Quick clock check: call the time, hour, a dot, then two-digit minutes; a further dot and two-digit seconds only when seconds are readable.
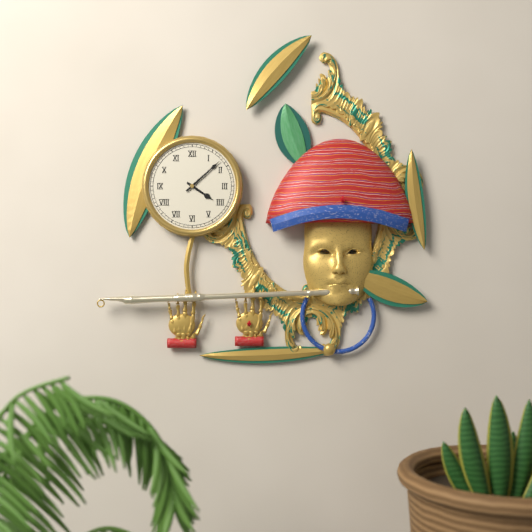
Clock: 4.08
